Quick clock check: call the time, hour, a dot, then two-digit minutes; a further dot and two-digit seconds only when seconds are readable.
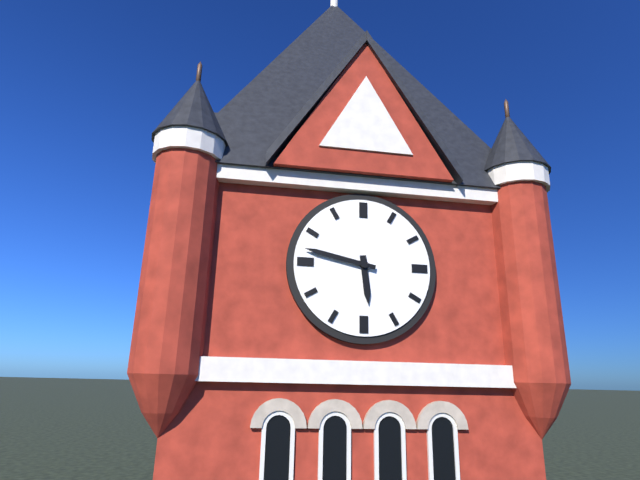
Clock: 5.47
